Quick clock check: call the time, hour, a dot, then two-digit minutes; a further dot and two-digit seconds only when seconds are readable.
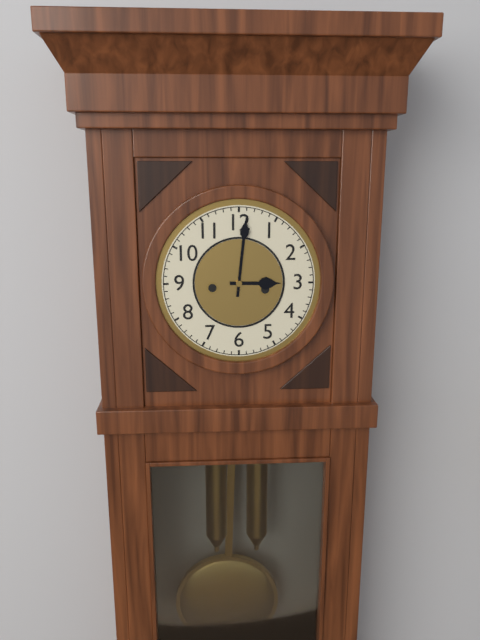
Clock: 3.01
